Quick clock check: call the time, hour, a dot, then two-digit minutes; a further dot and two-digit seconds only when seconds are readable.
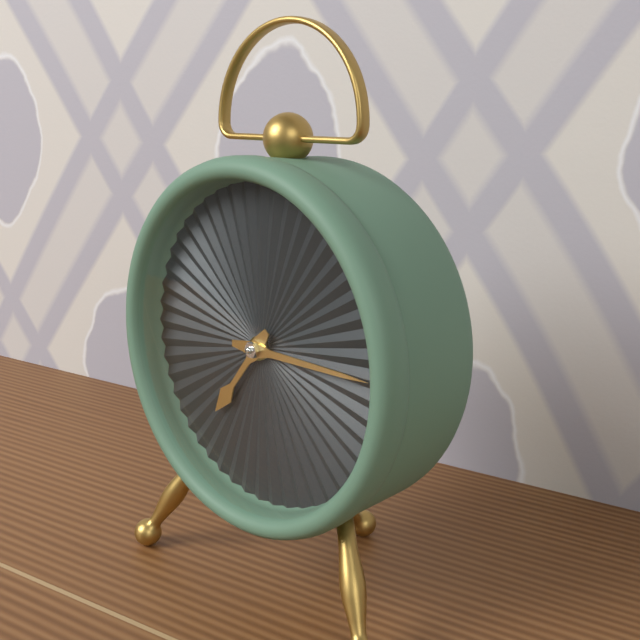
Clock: 7.15
